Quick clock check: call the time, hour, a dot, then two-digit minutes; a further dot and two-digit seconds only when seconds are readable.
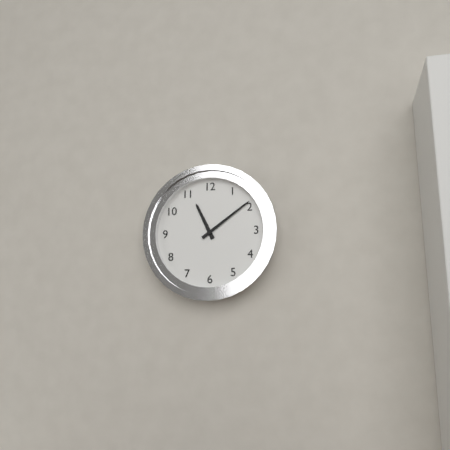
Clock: 11.09
